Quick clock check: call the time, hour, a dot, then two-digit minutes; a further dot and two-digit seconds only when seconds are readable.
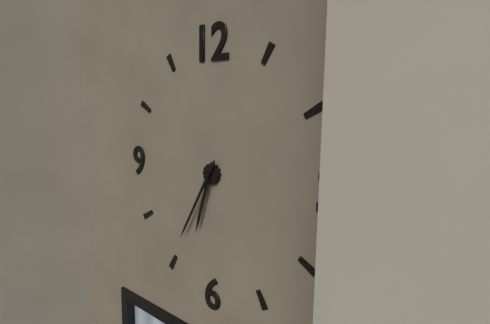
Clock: 6.35
